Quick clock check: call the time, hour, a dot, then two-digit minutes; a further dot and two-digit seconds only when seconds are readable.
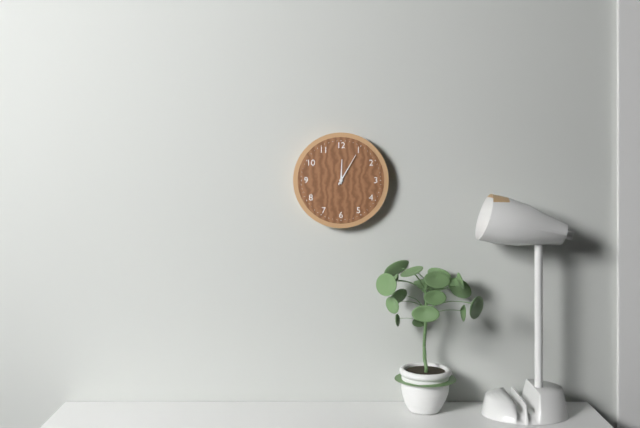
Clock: 12.05
